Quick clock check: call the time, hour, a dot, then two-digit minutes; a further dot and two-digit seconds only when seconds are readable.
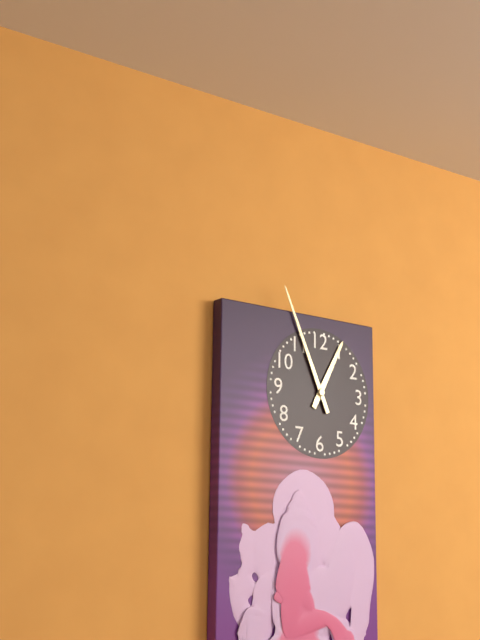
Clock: 12.56
